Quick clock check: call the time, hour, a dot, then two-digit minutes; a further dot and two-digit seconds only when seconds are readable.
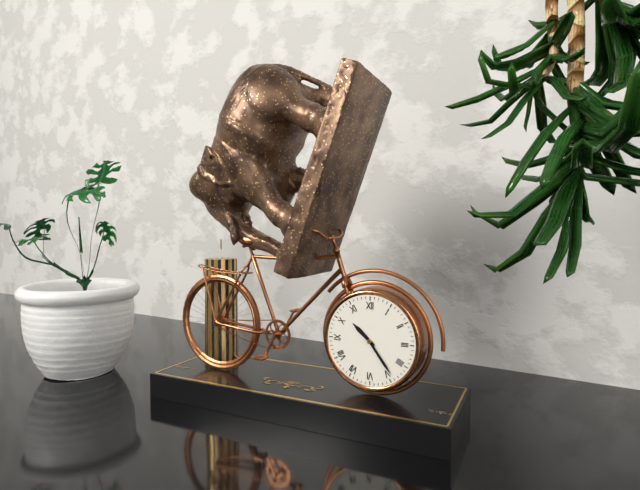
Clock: 10.24
